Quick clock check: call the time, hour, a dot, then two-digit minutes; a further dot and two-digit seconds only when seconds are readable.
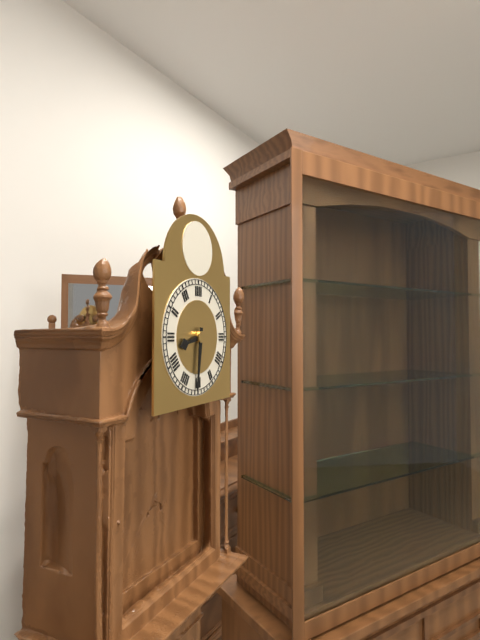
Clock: 8.31
